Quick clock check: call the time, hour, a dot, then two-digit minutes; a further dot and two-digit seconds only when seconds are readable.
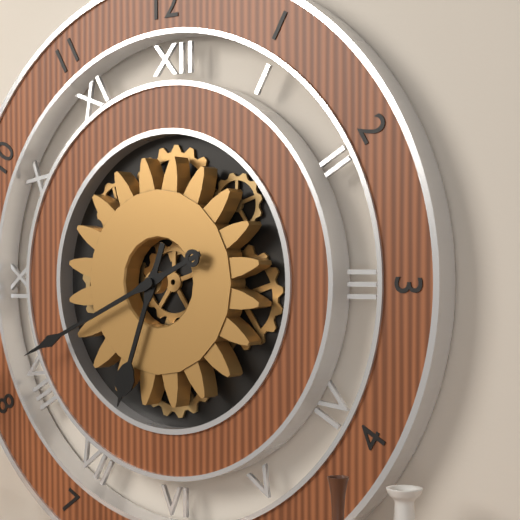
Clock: 6.41
